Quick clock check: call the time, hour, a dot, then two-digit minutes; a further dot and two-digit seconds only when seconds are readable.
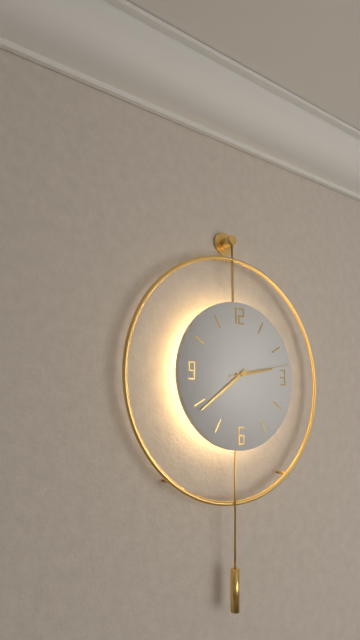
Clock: 2.39.13
